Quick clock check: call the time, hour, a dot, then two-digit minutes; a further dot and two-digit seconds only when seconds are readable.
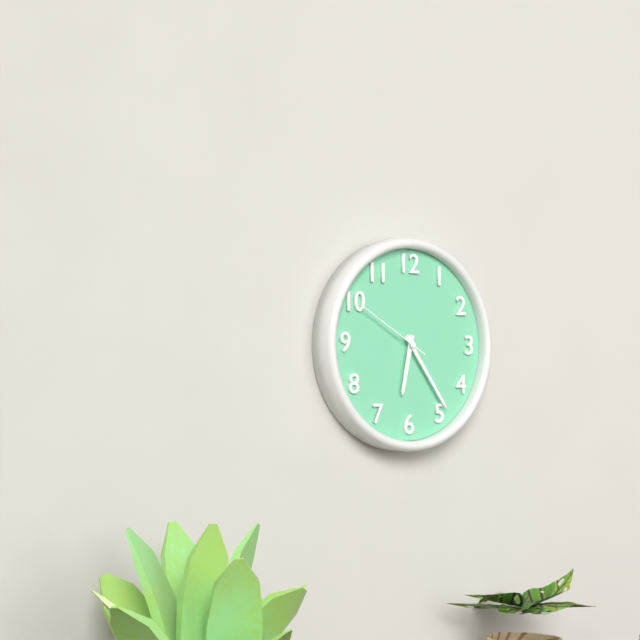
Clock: 6.24.50
